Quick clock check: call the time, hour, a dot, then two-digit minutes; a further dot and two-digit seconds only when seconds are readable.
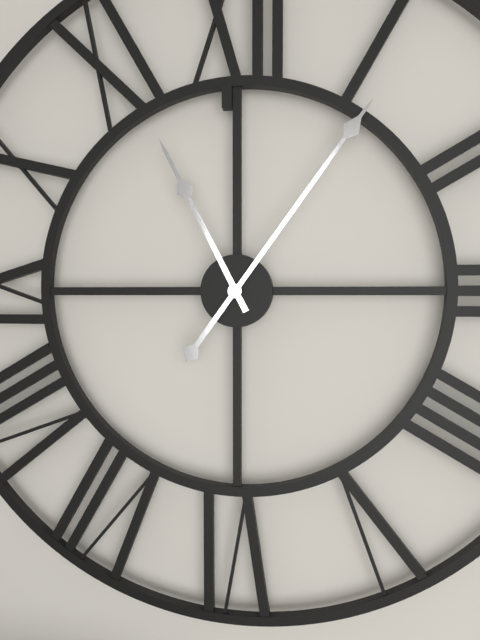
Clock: 11.06
